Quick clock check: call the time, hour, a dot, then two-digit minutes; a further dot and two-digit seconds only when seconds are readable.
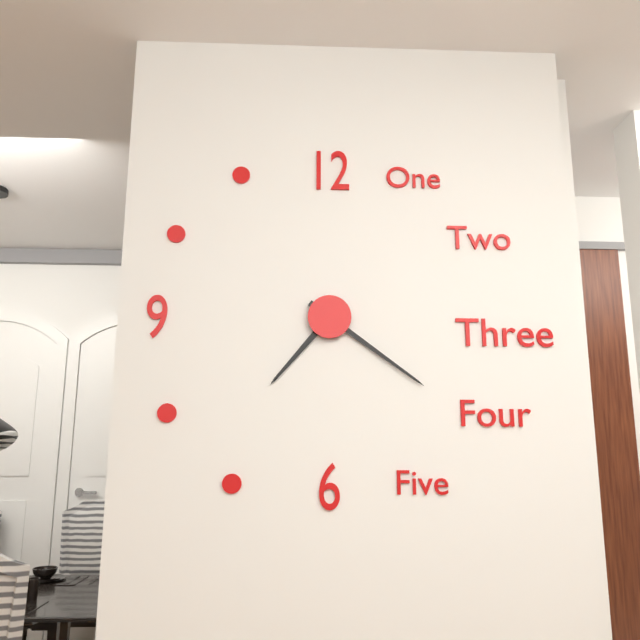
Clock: 7.21
